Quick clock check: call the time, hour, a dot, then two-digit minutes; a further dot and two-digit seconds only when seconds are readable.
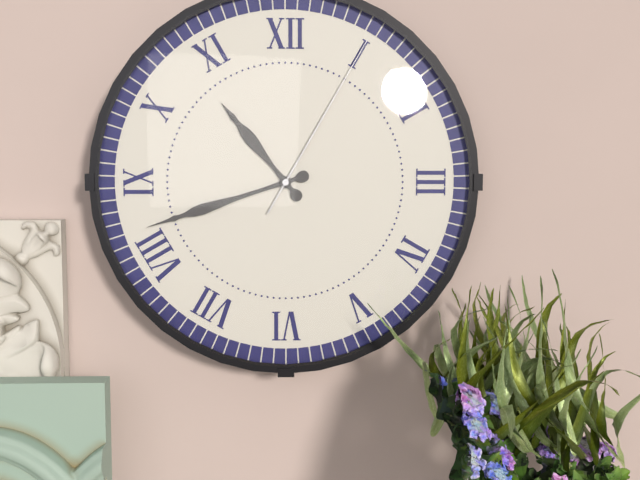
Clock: 10.42.05
